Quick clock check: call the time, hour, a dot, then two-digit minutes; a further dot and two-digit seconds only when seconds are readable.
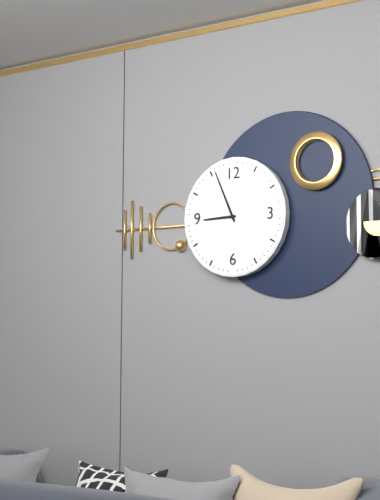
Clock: 8.56
